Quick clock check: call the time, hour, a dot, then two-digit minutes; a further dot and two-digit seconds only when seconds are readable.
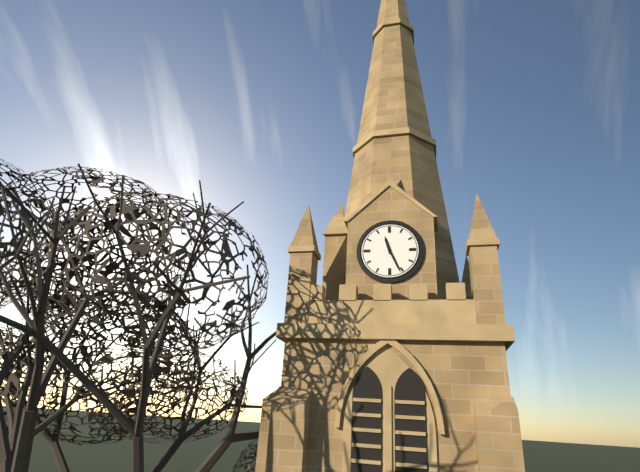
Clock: 11.26
